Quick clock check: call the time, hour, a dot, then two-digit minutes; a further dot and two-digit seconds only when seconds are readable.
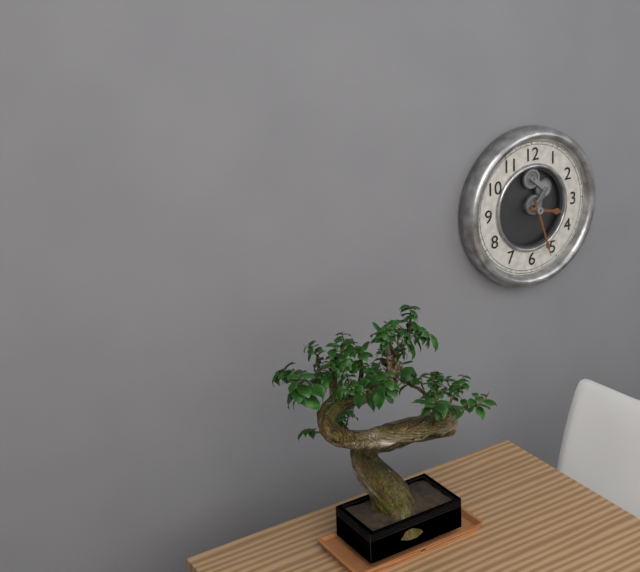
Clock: 3.27
